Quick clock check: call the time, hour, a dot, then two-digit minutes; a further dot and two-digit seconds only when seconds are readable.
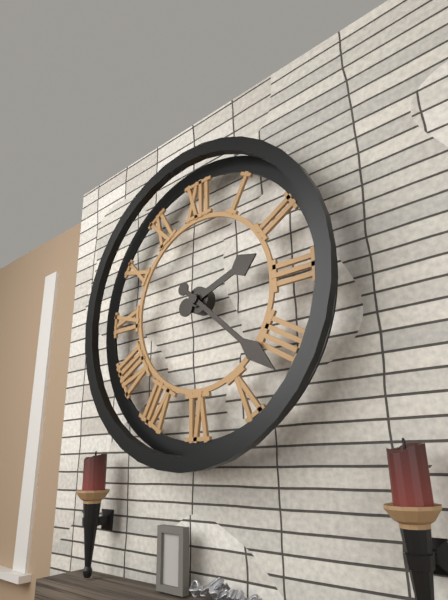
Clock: 2.22
